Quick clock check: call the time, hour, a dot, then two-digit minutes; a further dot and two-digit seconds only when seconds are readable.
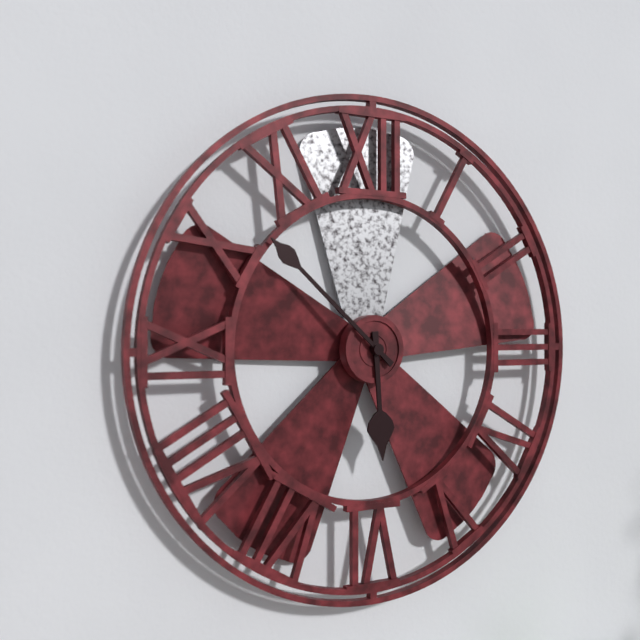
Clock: 5.52
